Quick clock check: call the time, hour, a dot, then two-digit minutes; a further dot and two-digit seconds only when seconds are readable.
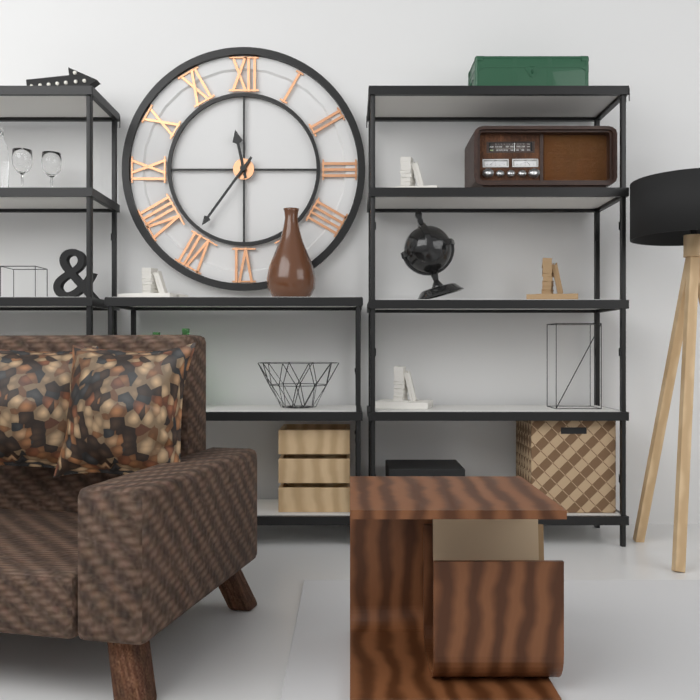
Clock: 11.36
